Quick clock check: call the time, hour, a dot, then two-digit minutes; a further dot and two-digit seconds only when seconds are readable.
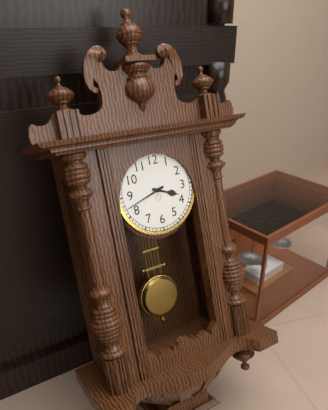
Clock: 3.42
